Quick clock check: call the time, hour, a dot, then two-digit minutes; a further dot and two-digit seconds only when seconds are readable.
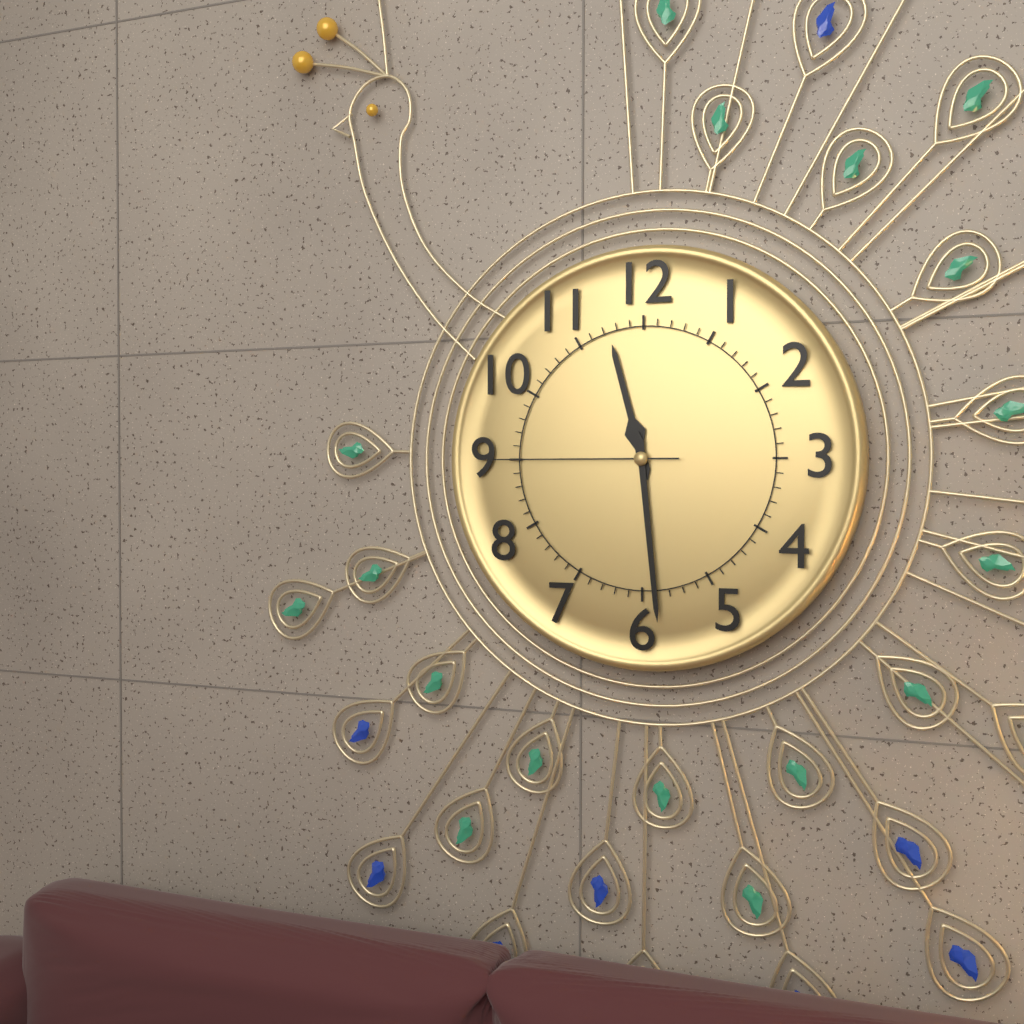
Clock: 11.29.45
